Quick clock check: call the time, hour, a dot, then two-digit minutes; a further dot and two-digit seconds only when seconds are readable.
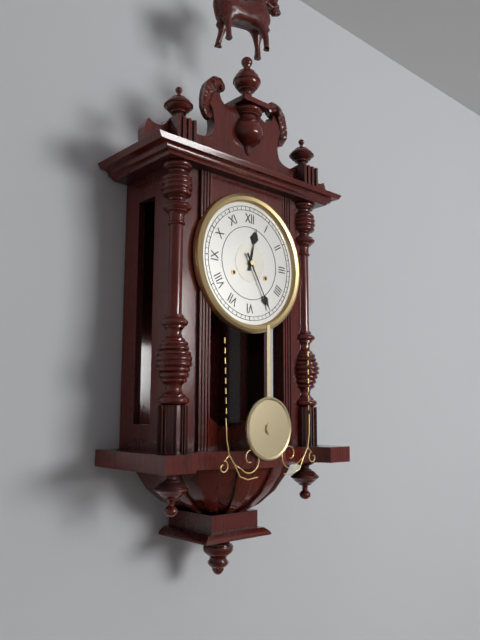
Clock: 12.25
